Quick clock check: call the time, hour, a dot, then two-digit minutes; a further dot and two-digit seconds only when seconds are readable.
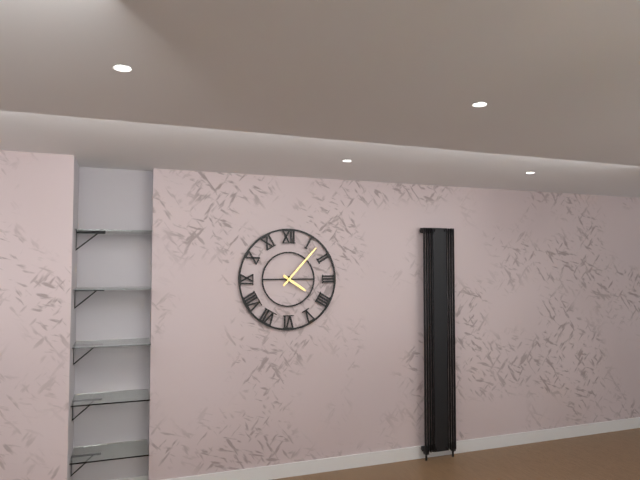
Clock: 4.07
